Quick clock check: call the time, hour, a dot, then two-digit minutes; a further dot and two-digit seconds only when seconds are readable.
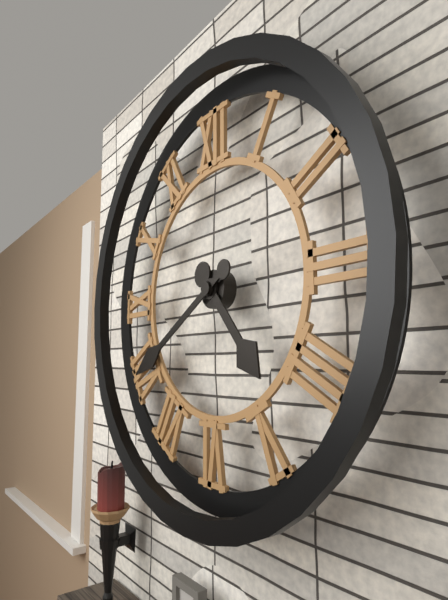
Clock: 4.40
